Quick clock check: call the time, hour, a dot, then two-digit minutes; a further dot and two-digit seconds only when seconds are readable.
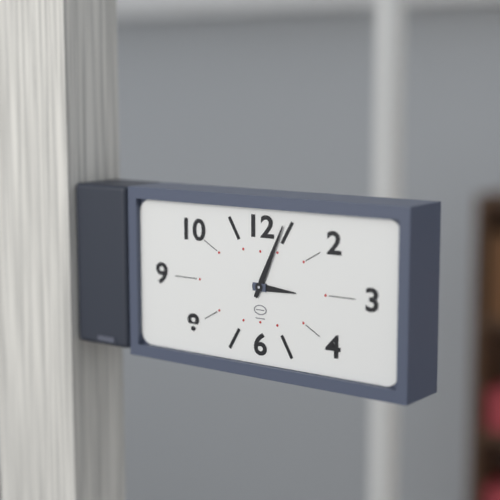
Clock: 3.04
